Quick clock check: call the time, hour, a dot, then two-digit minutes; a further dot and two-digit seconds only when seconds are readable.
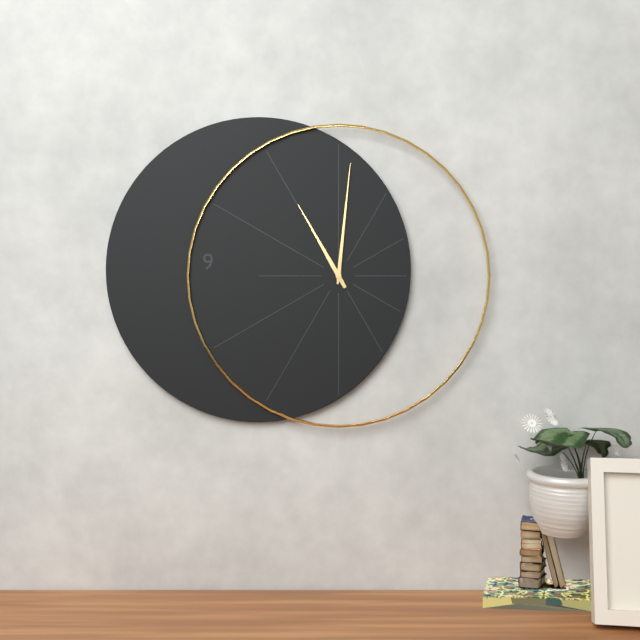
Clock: 11.01
